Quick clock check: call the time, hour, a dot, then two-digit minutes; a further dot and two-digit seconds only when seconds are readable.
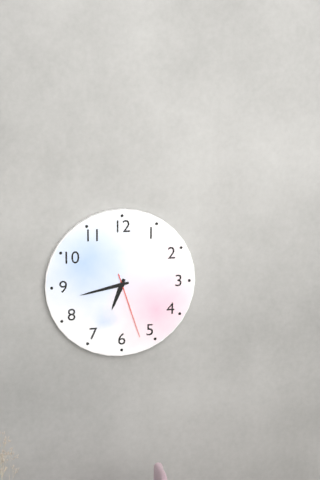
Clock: 6.43.27
